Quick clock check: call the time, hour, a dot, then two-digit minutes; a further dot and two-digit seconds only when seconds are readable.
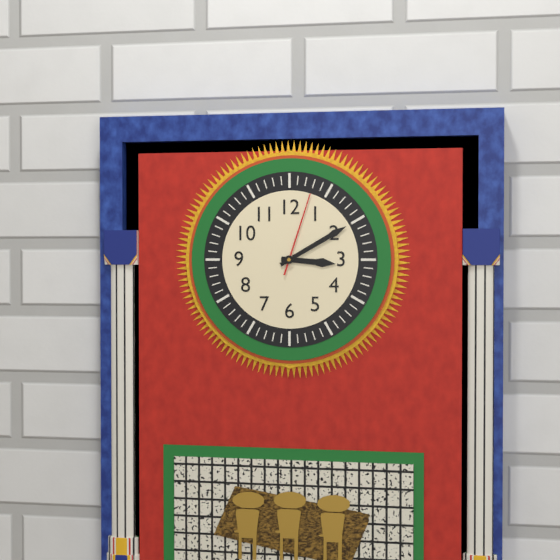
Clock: 3.10.03
